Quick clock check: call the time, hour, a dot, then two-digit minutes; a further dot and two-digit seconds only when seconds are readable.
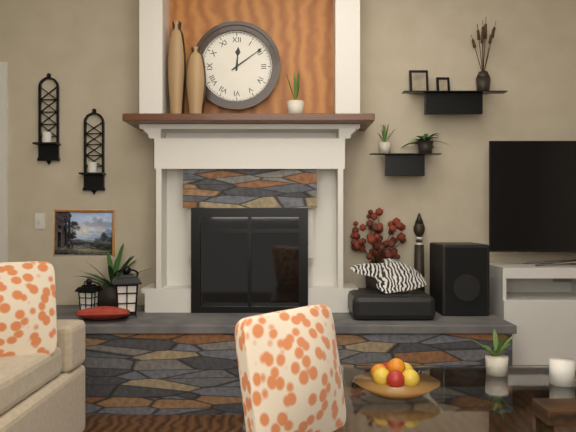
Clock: 12.09
